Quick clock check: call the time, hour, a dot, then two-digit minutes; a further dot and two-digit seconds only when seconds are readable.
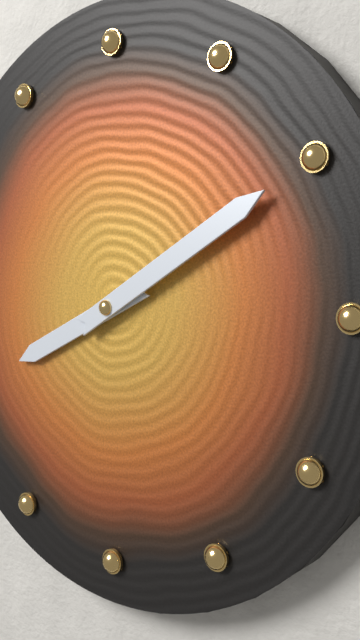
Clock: 8.10
